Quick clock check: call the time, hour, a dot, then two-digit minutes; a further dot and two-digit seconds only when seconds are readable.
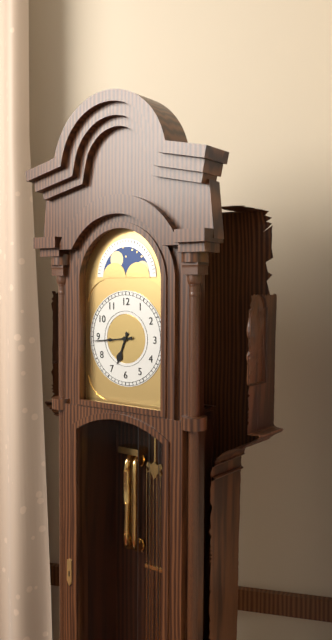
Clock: 6.44
